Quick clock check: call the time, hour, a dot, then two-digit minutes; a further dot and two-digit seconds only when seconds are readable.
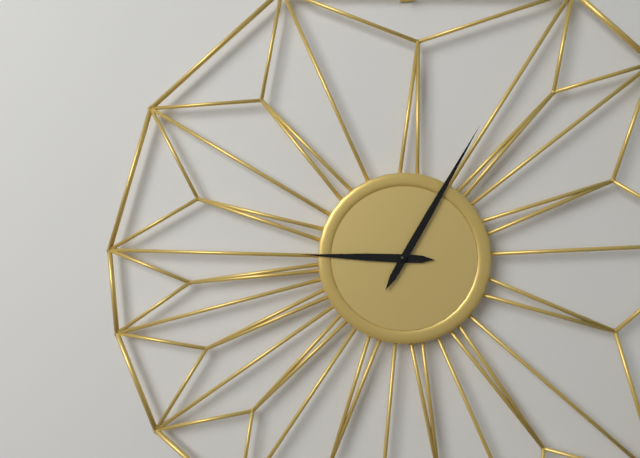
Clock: 9.05
